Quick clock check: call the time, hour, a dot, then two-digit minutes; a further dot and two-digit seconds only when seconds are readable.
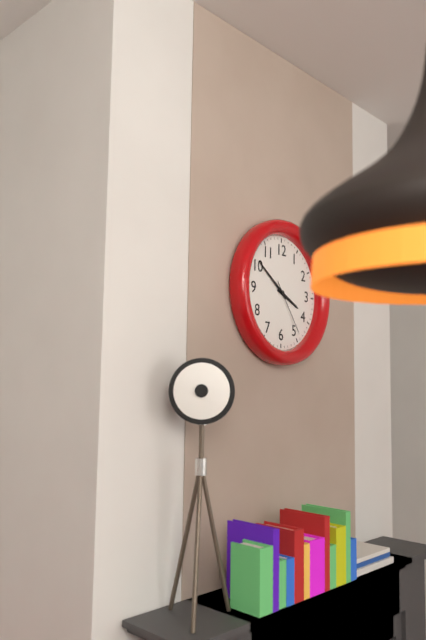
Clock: 3.51.24
